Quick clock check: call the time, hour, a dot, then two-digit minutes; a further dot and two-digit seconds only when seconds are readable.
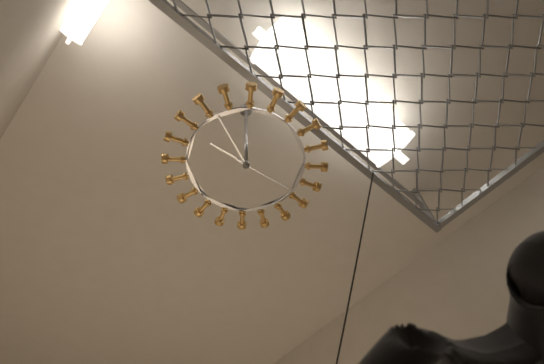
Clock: 8.49.14
